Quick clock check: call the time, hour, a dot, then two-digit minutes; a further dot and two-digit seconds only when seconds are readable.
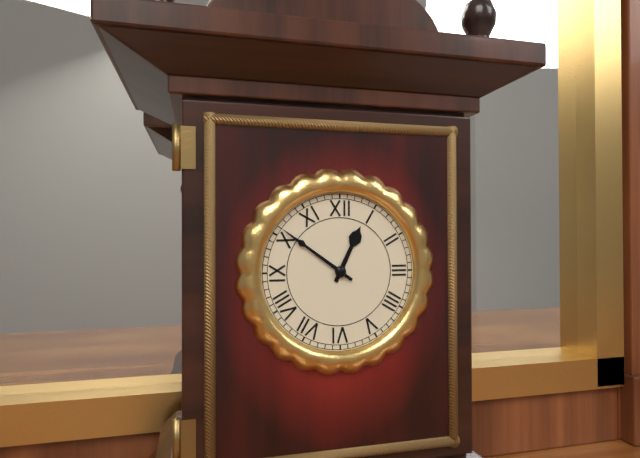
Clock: 12.51
